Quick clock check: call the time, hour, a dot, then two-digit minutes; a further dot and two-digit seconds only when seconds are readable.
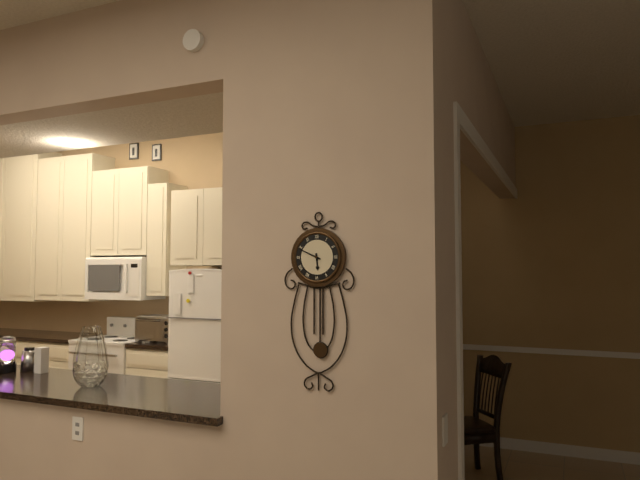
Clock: 5.49
